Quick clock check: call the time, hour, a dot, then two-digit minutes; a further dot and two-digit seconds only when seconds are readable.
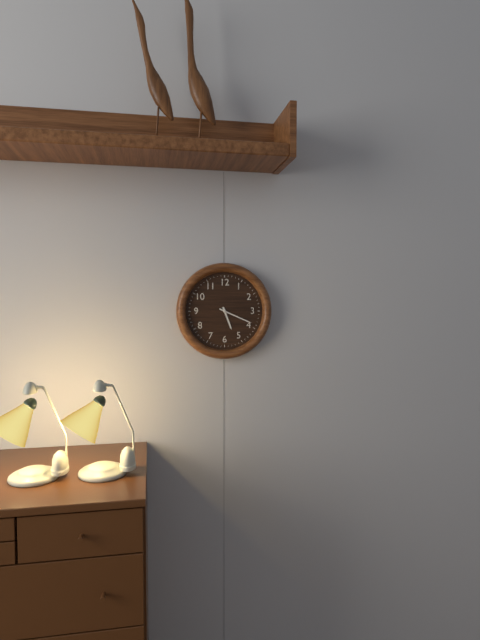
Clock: 5.19
